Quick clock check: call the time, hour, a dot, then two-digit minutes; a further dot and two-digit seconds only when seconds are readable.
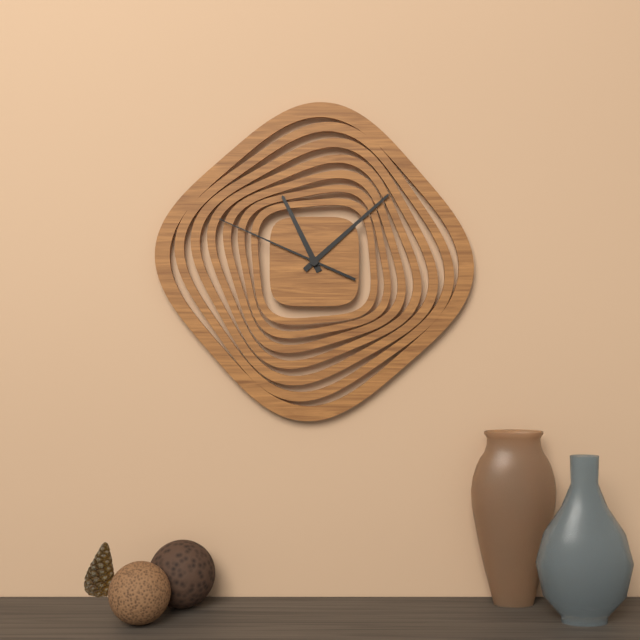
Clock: 11.08.49
